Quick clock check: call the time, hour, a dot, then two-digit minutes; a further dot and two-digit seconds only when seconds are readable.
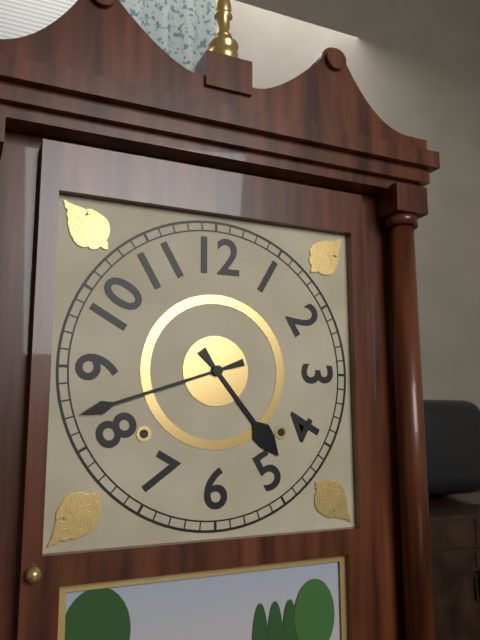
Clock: 4.42
